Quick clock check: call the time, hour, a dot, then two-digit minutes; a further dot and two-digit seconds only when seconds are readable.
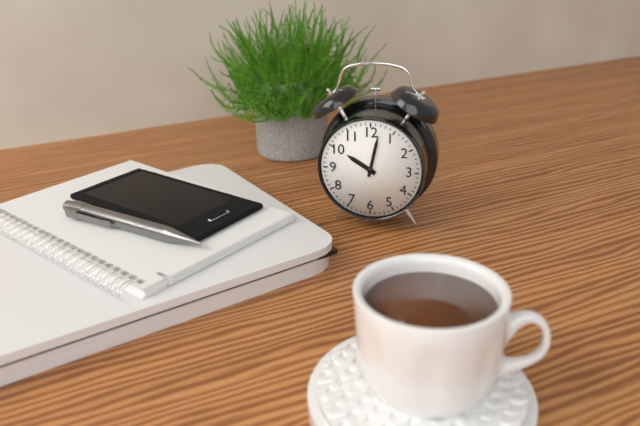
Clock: 10.02
